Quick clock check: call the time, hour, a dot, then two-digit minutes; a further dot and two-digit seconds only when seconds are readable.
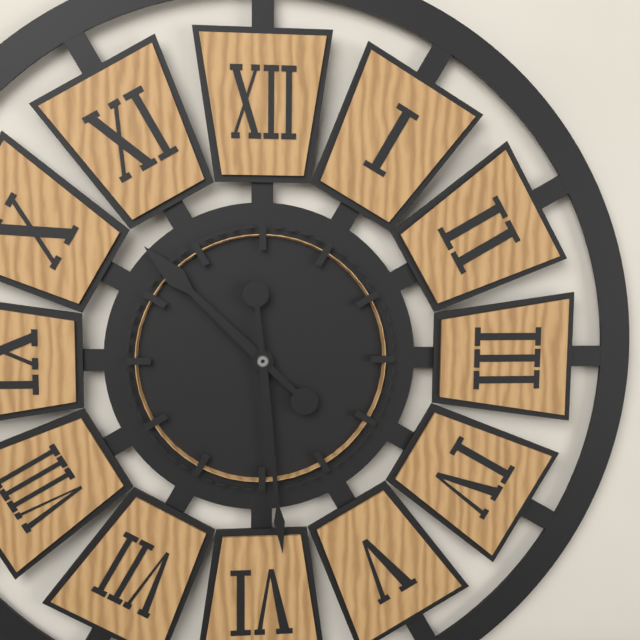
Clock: 10.29
